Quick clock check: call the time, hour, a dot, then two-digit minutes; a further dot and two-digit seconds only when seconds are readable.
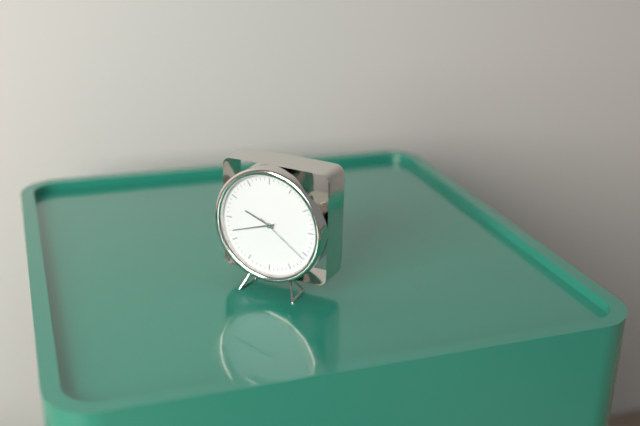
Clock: 9.42.21
